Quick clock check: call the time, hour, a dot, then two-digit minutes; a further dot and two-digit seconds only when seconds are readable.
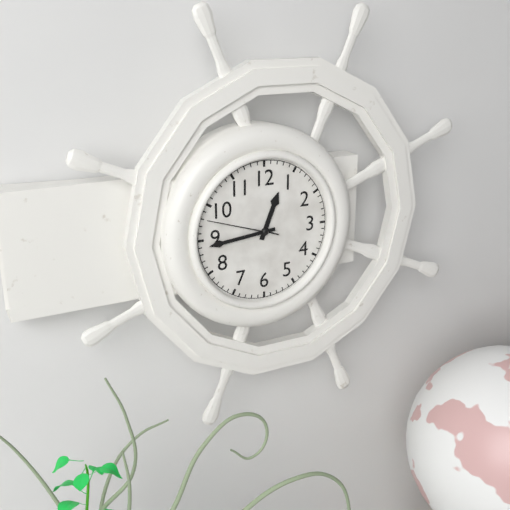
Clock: 12.44.48
